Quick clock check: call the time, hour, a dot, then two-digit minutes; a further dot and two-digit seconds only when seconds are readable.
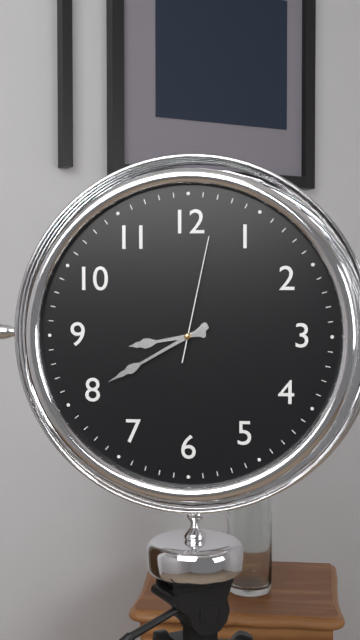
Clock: 8.40.02
